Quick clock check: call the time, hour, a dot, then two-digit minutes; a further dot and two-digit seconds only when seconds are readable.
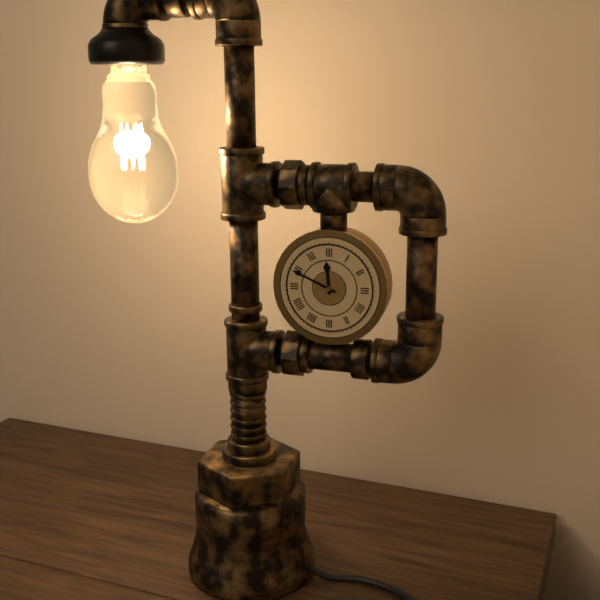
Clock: 11.49
